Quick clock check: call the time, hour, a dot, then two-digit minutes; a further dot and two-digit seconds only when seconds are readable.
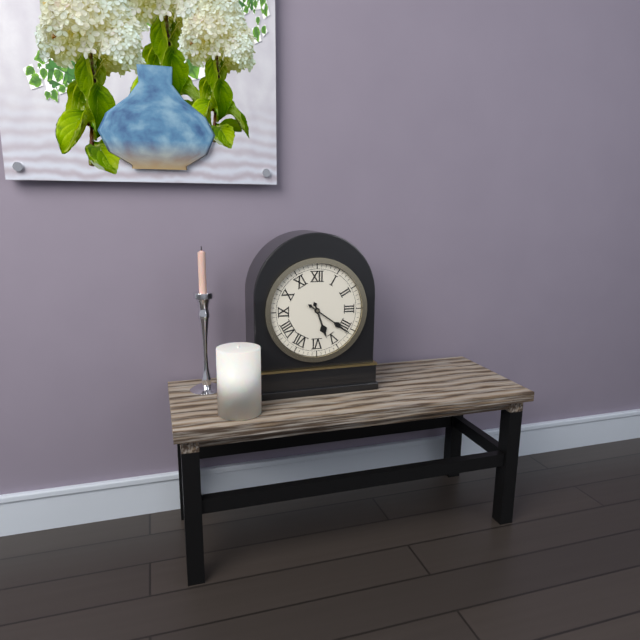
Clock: 5.21
